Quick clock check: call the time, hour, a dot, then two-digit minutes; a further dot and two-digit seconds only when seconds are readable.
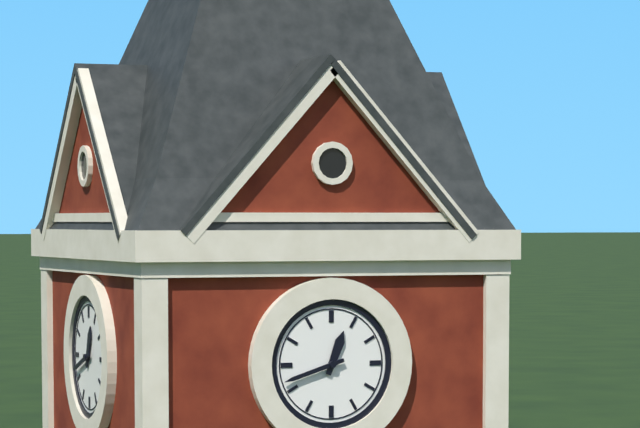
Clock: 12.42
